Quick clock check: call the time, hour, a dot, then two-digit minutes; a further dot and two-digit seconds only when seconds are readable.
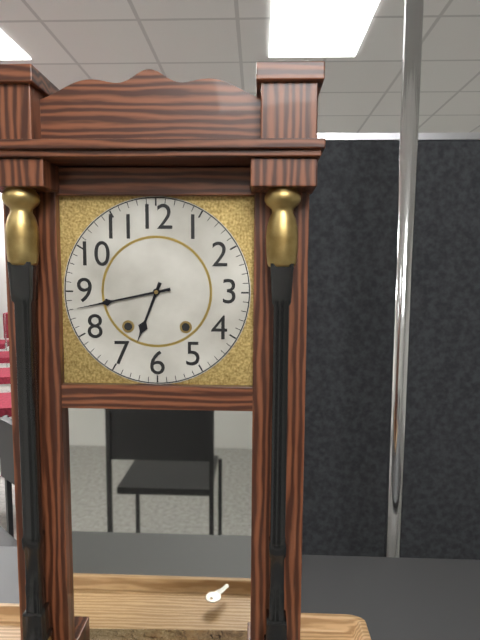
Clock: 6.43
